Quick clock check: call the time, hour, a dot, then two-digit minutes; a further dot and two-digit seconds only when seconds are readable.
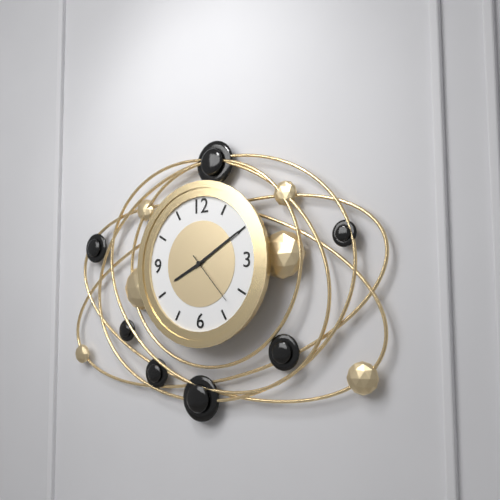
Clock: 8.10.23
